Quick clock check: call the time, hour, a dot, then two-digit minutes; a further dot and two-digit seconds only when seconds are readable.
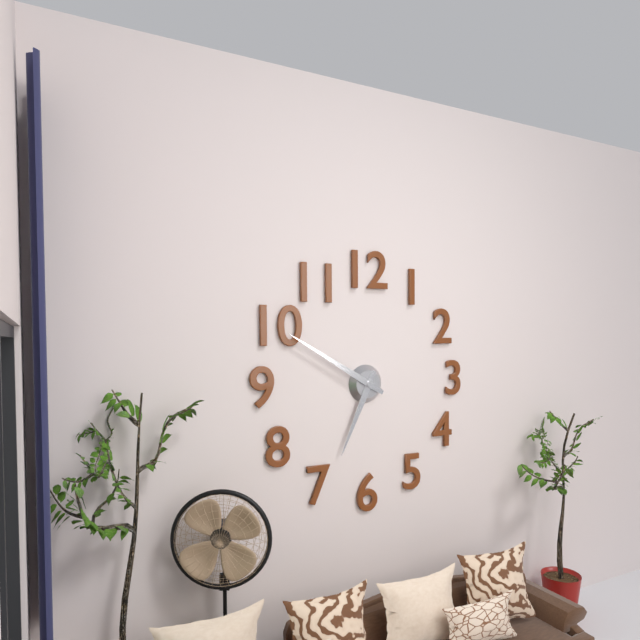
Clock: 6.50
